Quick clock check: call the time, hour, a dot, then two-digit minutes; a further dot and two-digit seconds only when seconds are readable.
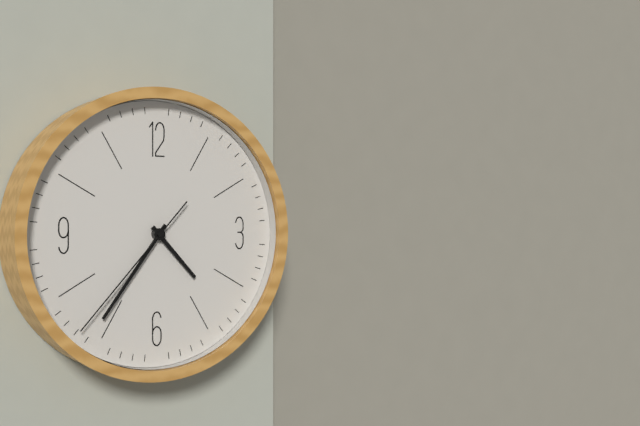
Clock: 4.36.37
